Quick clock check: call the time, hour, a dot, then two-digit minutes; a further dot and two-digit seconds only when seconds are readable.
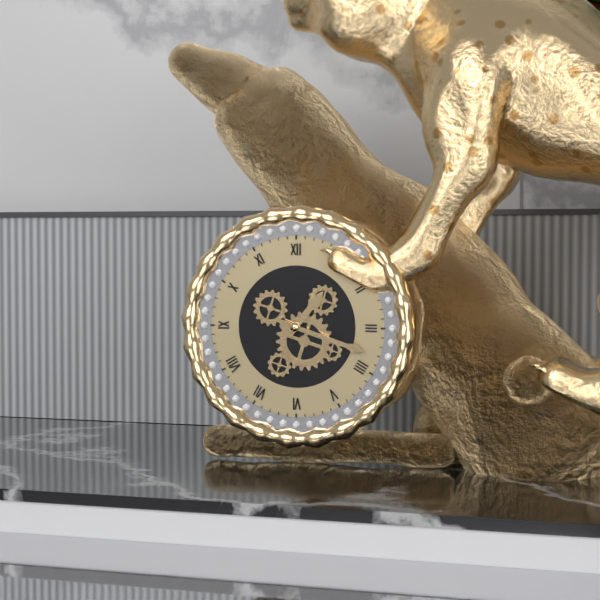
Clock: 1.18
